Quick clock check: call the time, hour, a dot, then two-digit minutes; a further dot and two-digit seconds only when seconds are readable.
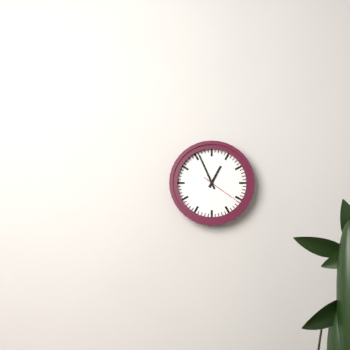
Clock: 12.56
